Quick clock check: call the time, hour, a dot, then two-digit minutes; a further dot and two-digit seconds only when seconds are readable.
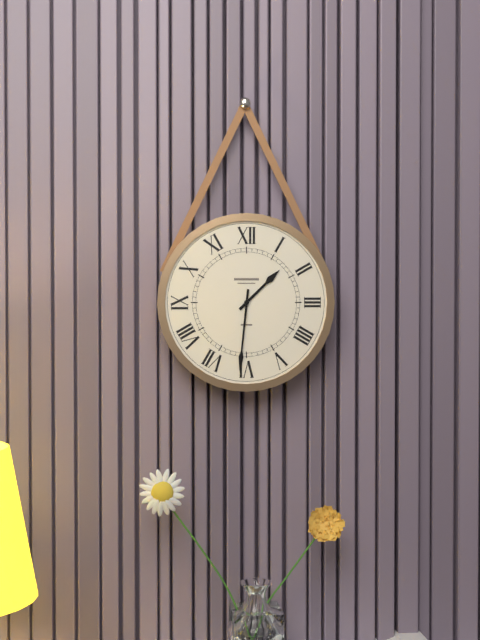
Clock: 1.31
